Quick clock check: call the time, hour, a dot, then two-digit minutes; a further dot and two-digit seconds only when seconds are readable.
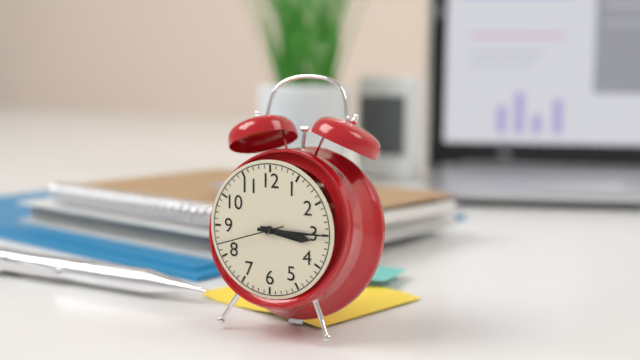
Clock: 3.15.42
